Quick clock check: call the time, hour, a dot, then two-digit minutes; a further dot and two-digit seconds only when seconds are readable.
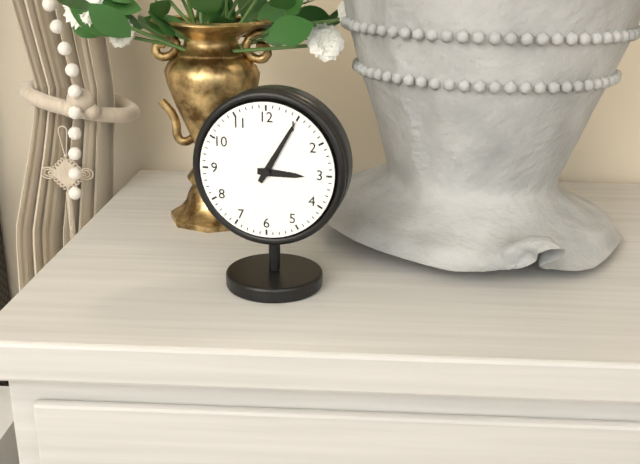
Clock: 3.05
